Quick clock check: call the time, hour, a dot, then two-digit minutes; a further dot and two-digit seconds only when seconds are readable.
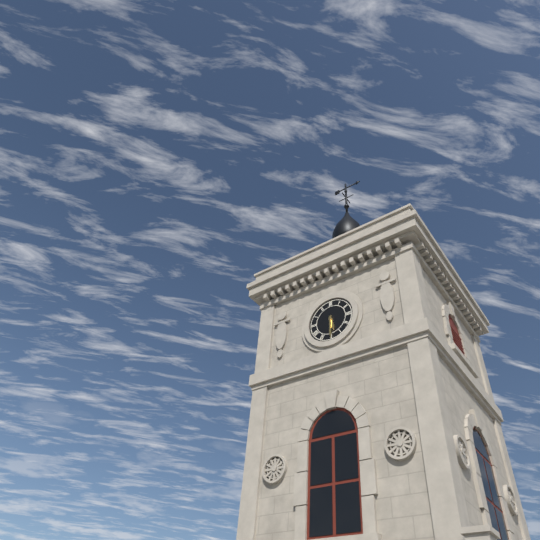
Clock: 5.30
